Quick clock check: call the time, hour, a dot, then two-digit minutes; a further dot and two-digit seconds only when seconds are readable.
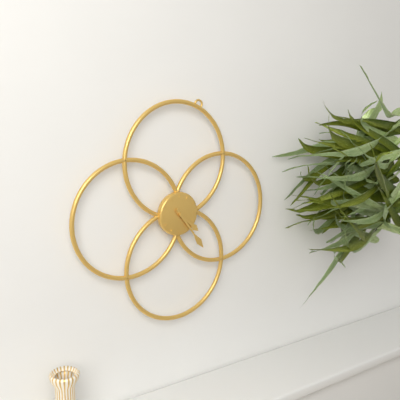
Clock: 4.24
